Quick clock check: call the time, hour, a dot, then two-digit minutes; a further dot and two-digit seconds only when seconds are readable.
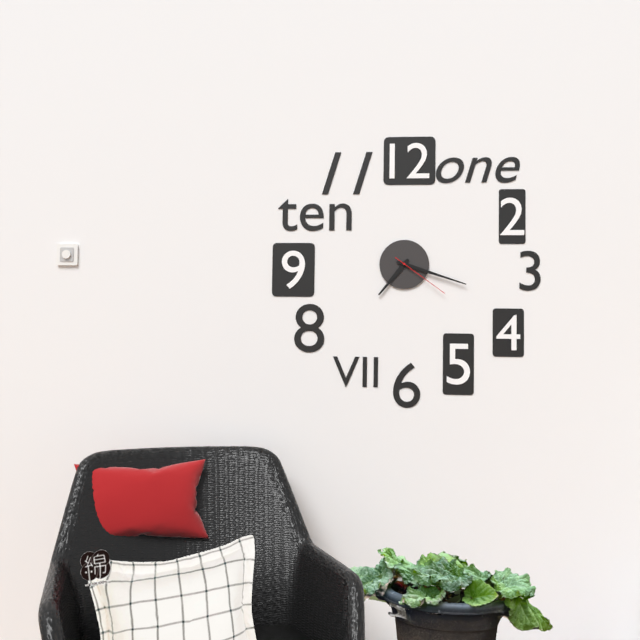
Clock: 7.18.21
